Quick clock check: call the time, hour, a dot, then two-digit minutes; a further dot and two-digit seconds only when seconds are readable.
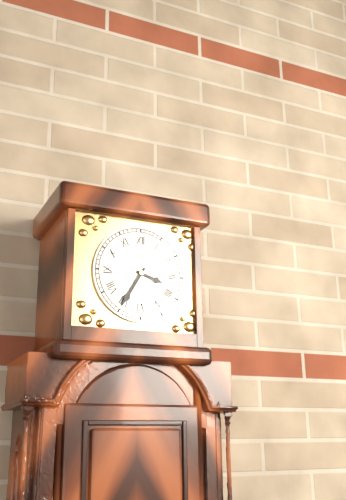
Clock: 3.35
